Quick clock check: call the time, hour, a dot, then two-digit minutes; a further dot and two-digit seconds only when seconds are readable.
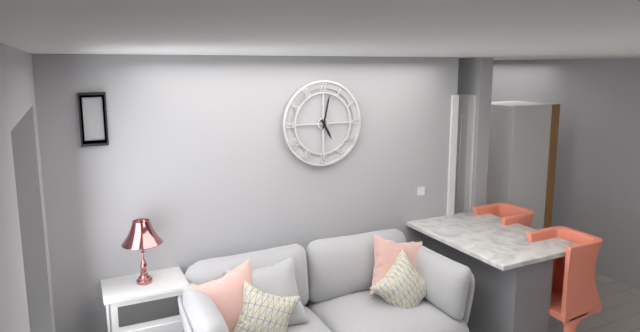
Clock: 5.02
